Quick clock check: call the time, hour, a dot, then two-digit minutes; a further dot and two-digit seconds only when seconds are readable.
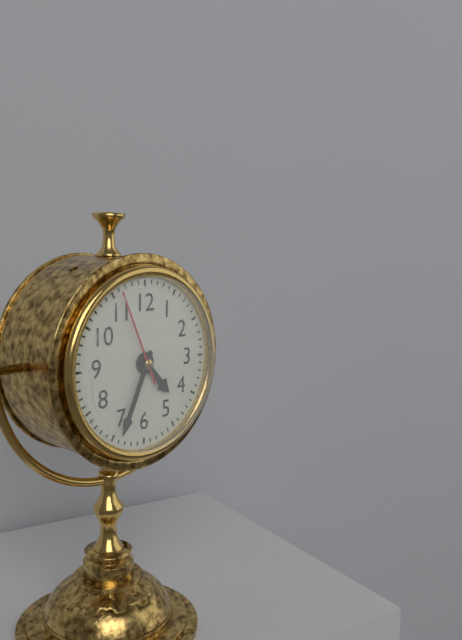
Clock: 4.34.56
